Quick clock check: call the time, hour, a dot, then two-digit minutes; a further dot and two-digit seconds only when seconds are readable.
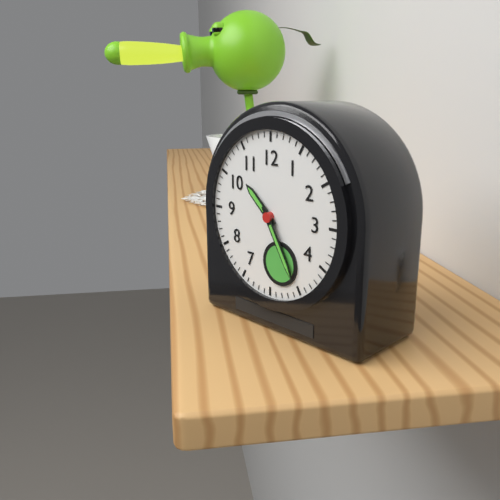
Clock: 10.25
